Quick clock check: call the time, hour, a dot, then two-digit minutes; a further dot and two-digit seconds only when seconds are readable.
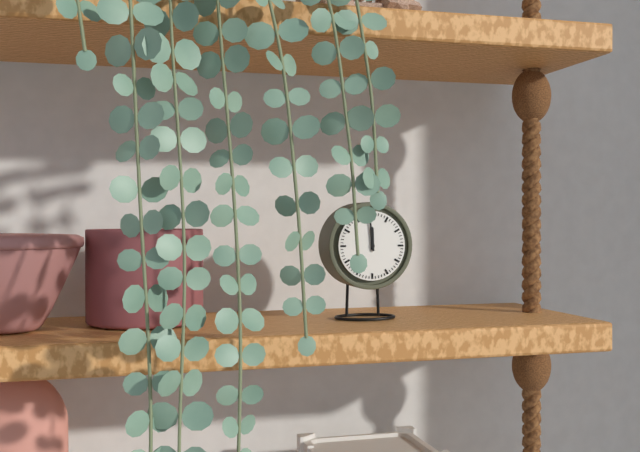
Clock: 11.59
